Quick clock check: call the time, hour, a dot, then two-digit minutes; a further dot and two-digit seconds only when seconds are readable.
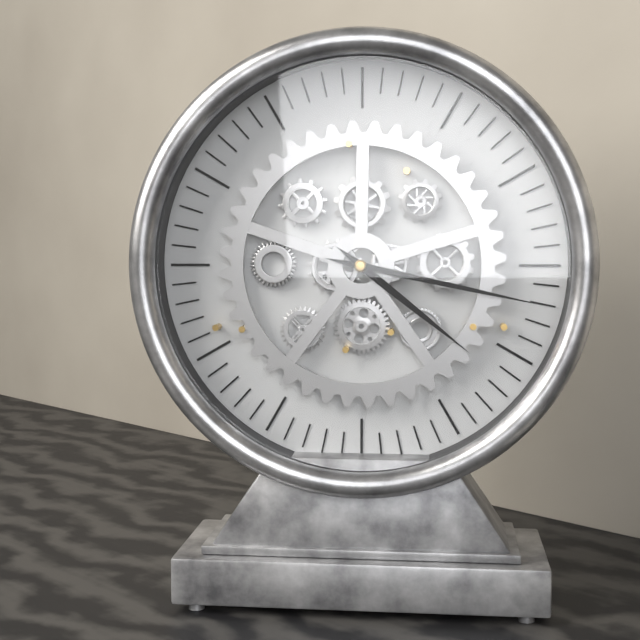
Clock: 4.17
